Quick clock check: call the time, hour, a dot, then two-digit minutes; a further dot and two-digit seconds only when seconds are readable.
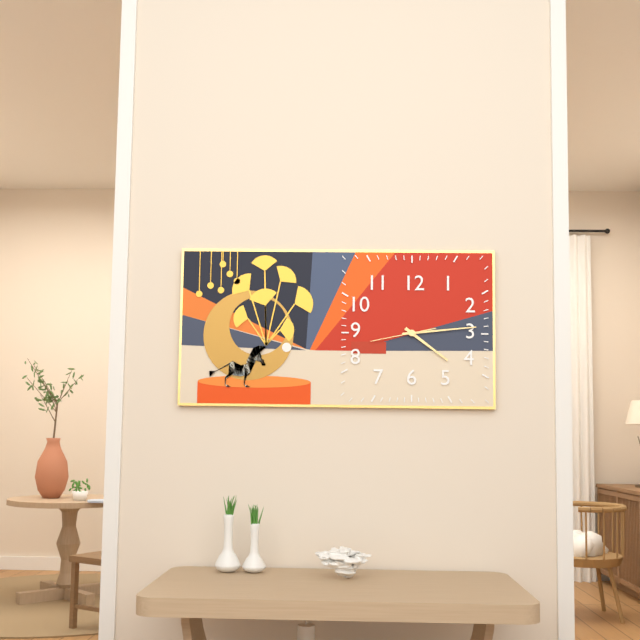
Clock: 4.14.43
